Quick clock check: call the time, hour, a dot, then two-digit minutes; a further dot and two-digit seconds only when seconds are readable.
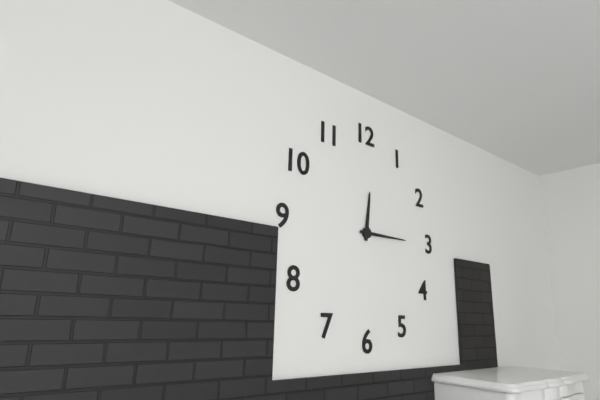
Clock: 12.15
